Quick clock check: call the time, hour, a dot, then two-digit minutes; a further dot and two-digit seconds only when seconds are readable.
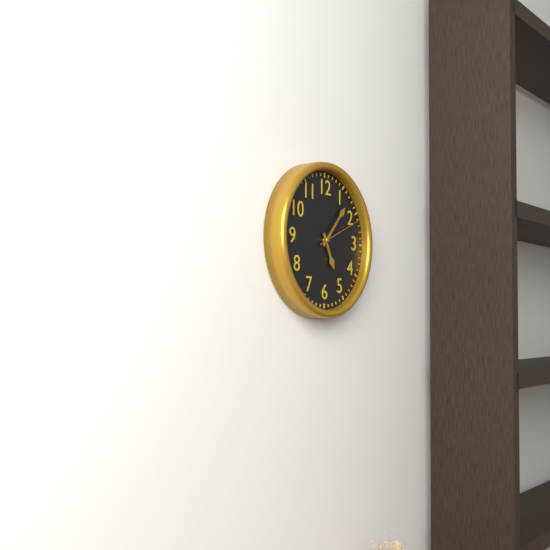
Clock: 5.07
